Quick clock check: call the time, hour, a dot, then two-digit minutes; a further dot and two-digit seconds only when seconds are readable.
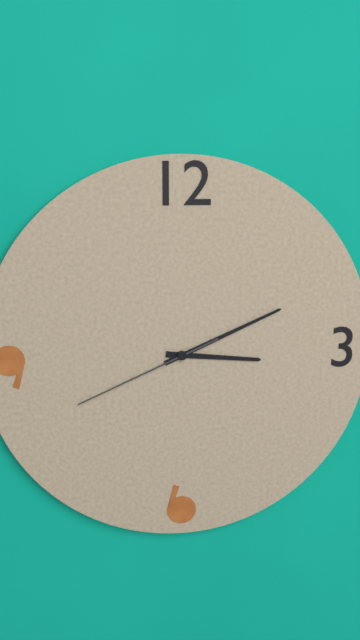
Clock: 3.11.41
